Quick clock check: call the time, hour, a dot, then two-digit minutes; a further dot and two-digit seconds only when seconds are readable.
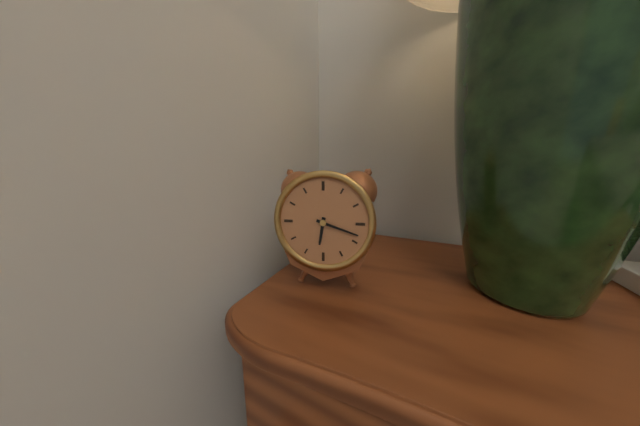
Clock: 6.18
